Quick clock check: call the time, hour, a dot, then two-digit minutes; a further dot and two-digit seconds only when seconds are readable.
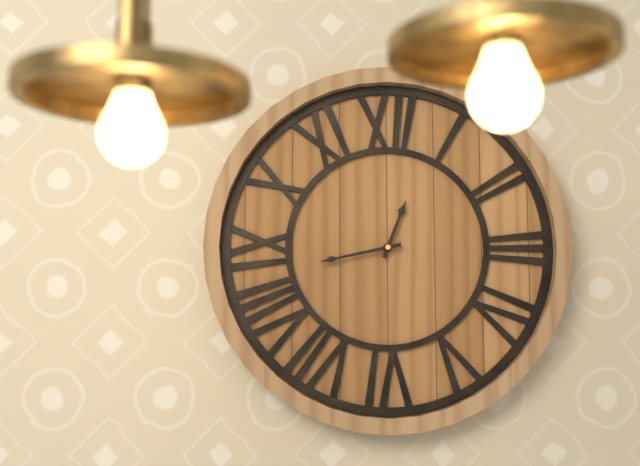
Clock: 12.43
